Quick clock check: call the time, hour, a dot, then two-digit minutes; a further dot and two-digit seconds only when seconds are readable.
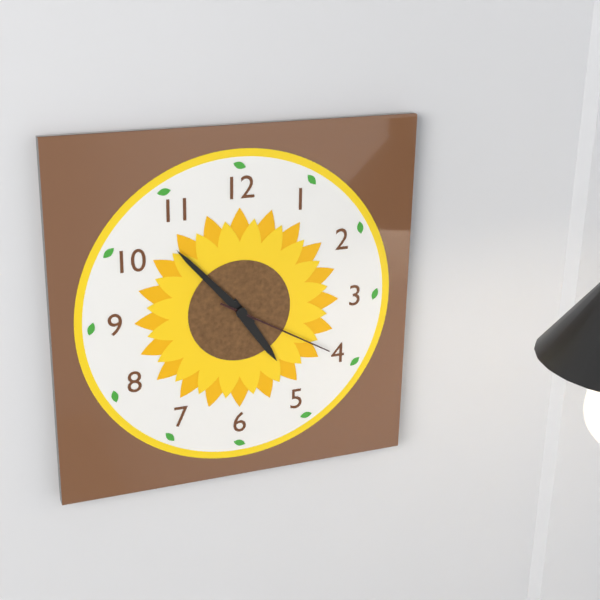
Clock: 4.53.20
